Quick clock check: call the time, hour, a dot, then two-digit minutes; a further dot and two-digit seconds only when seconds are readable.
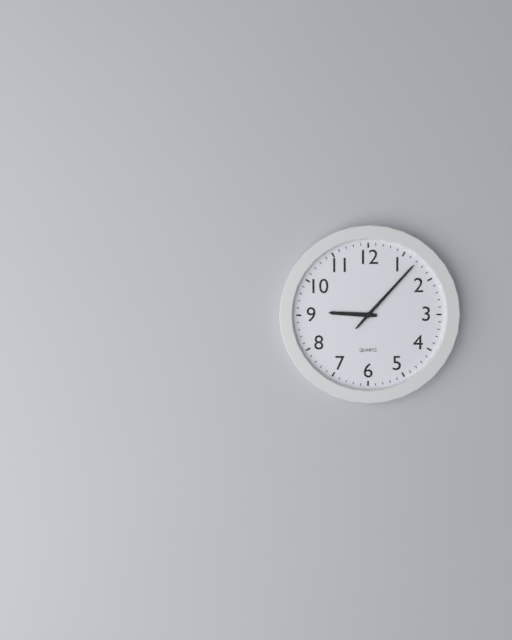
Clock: 9.07
